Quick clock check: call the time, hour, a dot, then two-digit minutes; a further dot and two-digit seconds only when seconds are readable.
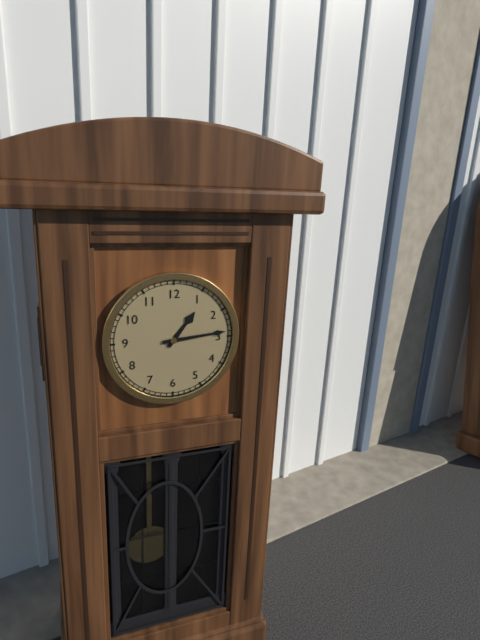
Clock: 1.14
